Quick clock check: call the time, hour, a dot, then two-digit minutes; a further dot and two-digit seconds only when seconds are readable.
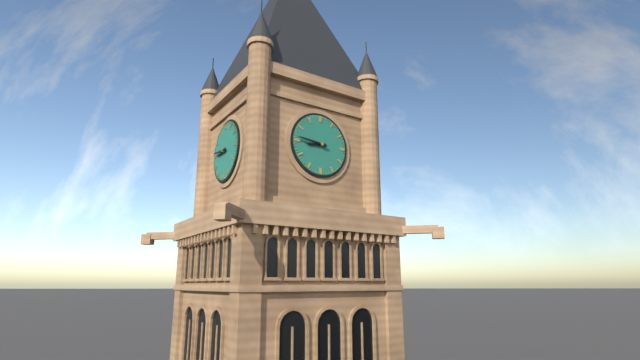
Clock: 8.46
